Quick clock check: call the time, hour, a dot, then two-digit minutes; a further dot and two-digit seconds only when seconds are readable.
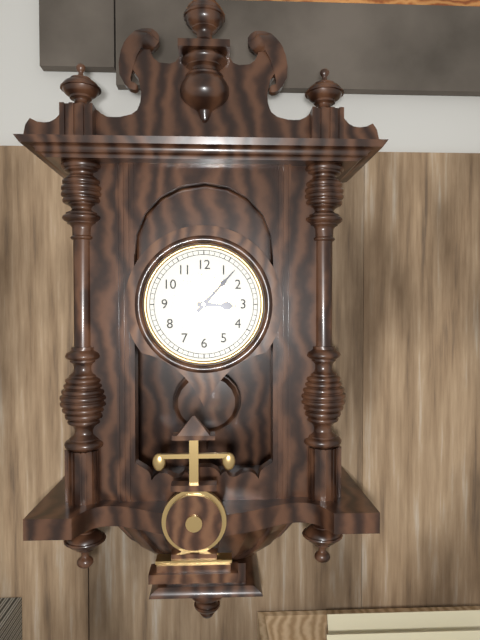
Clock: 3.07
